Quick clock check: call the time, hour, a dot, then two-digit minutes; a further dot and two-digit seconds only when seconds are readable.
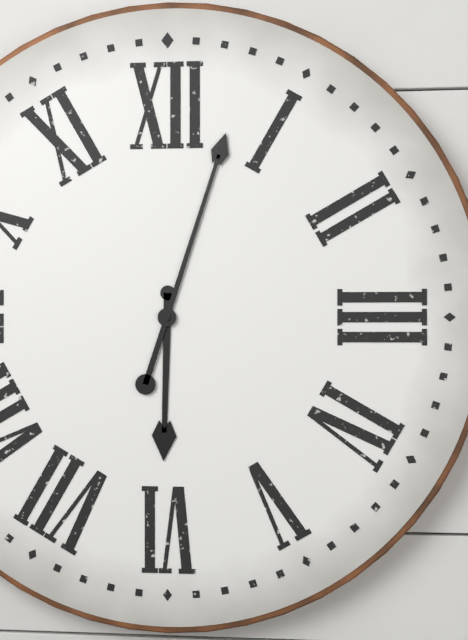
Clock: 6.03
